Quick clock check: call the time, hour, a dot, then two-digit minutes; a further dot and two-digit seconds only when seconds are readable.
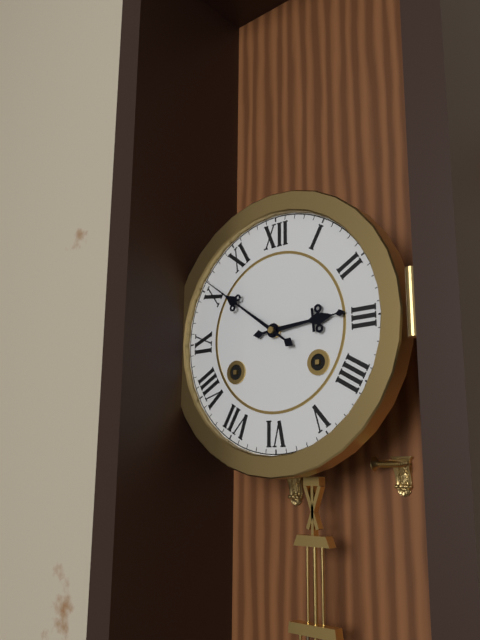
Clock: 2.51
